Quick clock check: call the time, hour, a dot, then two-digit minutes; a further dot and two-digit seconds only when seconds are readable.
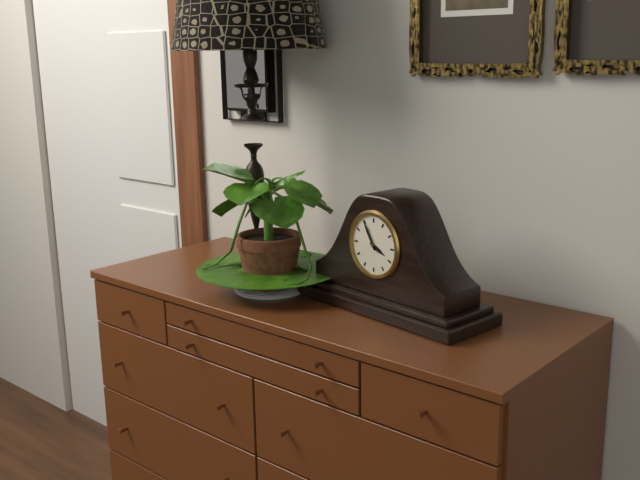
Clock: 3.55
